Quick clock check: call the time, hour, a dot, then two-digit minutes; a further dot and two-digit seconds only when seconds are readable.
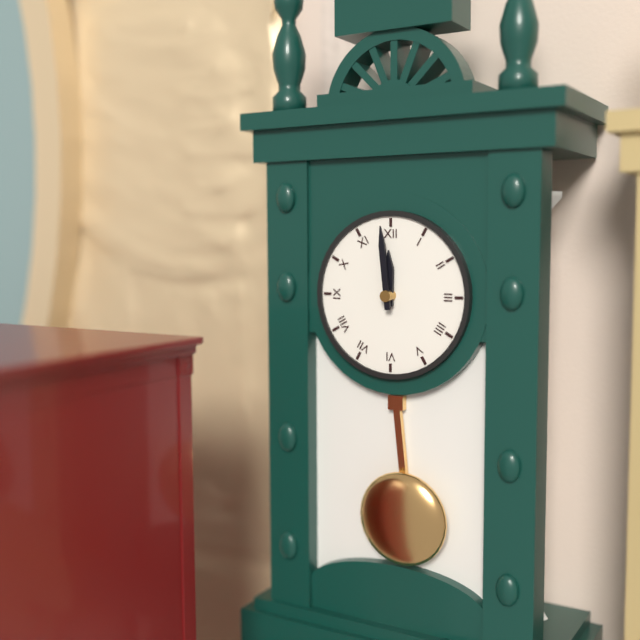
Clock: 11.59
